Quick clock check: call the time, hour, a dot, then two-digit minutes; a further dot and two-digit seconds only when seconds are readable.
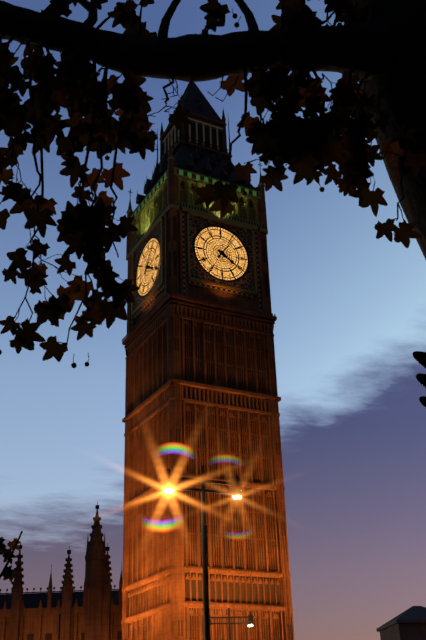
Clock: 4.06
